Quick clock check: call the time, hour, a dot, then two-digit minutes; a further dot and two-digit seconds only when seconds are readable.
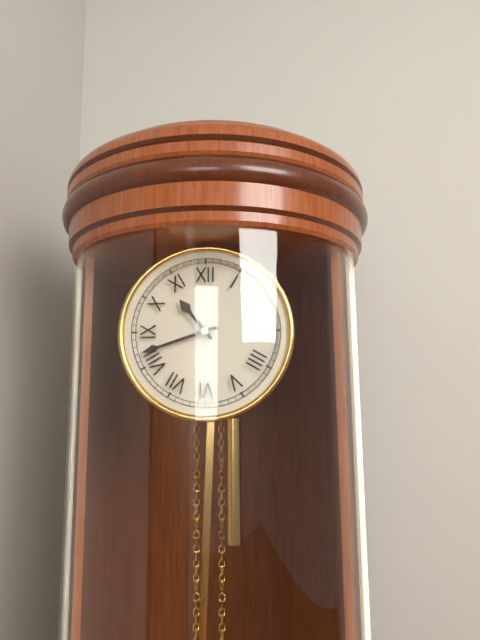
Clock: 10.42
